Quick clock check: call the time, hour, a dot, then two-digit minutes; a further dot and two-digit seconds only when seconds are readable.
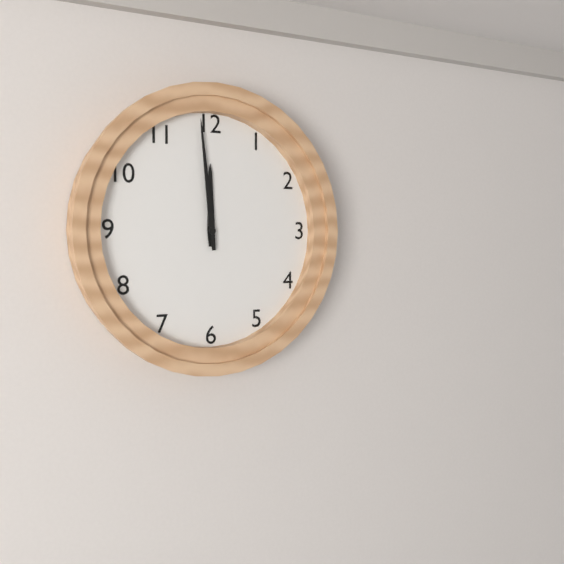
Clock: 11.59
